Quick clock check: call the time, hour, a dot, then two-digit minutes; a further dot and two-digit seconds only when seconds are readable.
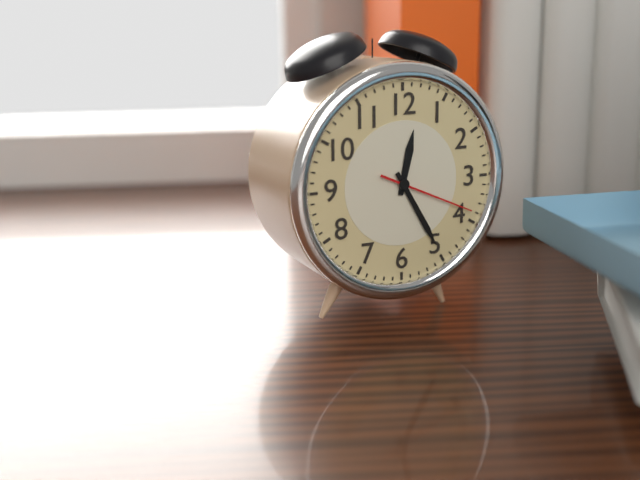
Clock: 12.25.19
